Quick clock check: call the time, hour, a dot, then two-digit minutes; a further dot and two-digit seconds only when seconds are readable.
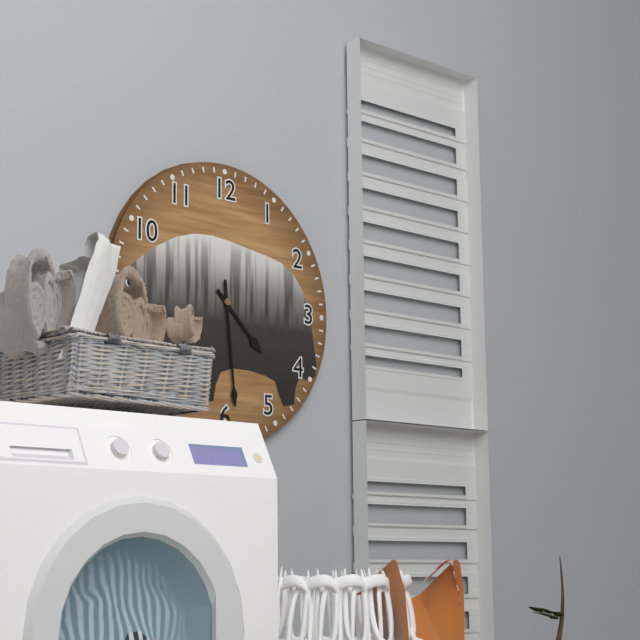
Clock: 4.29
